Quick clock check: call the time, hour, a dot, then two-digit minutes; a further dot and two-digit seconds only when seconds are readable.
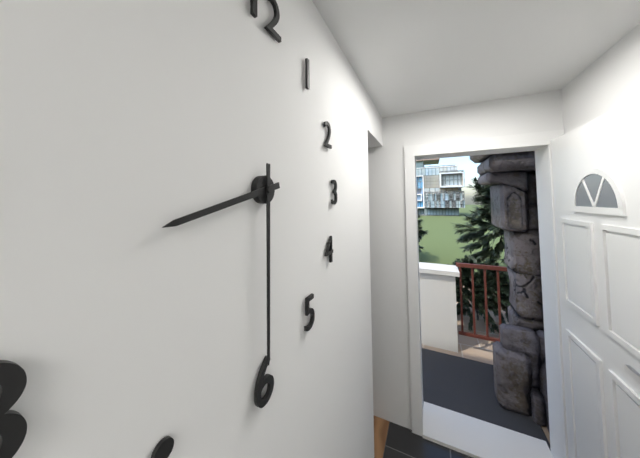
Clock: 8.30
